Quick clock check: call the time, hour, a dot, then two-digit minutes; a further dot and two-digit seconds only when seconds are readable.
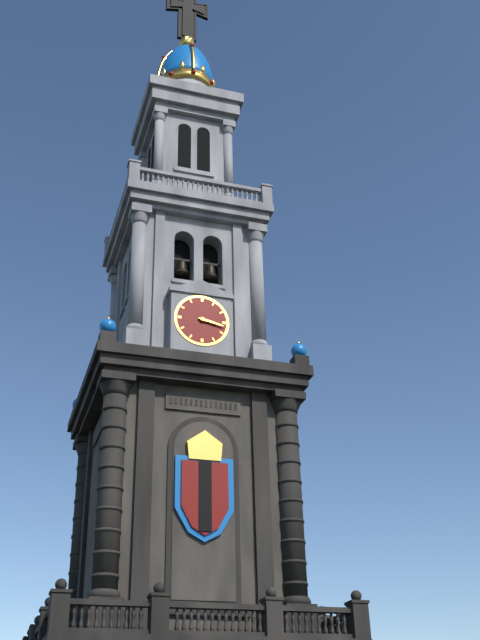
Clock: 3.17
